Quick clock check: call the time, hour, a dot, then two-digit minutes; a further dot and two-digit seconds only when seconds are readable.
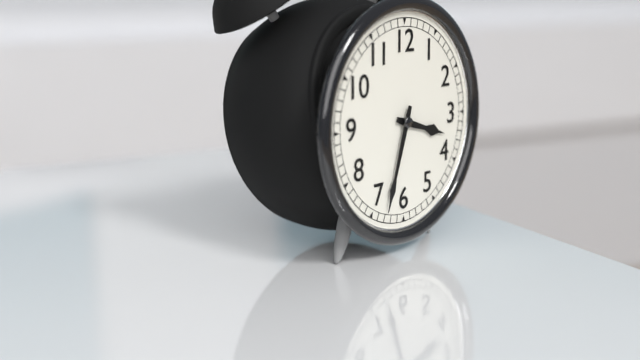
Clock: 3.33
